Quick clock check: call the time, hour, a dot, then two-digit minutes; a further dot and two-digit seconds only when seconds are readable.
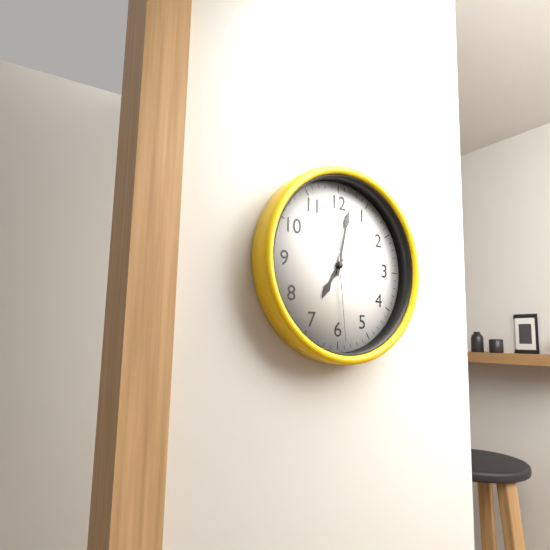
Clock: 7.02.29
